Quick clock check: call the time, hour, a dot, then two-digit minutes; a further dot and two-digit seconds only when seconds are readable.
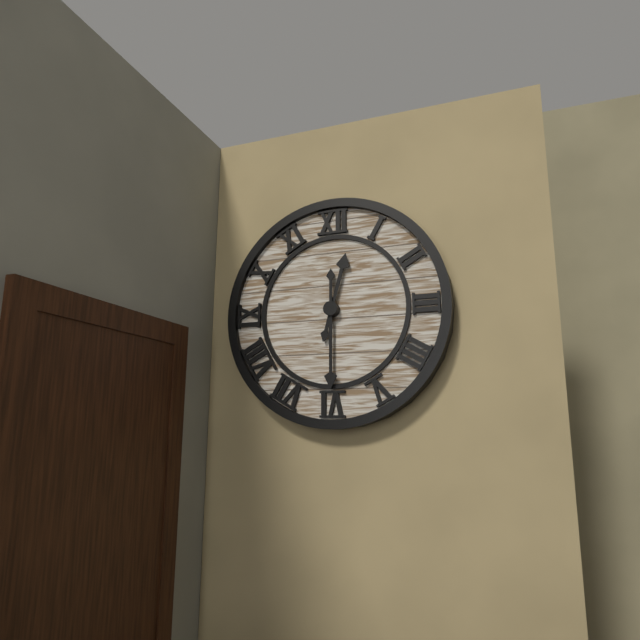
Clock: 12.30
